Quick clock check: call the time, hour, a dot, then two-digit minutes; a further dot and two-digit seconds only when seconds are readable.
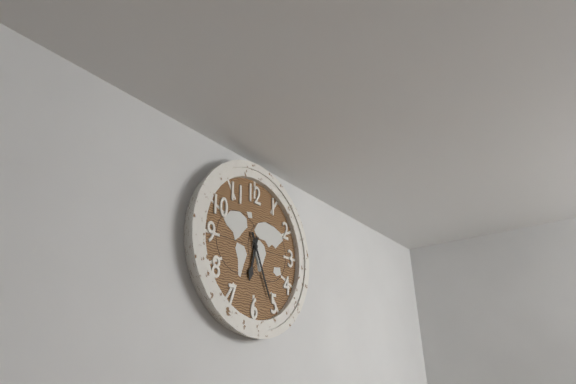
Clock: 6.26
